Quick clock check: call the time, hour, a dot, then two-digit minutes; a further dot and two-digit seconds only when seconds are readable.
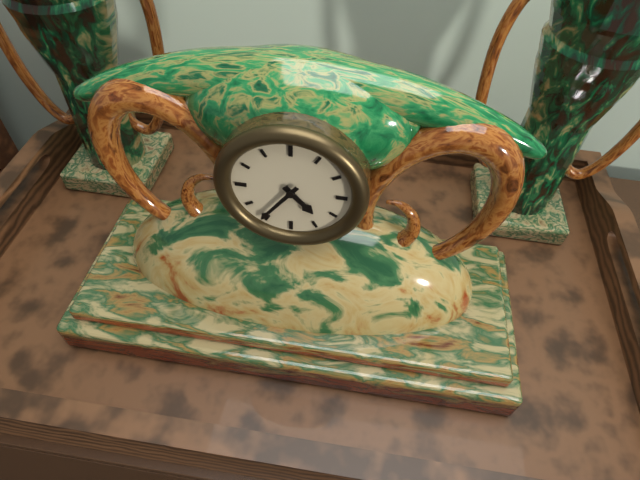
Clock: 4.36
